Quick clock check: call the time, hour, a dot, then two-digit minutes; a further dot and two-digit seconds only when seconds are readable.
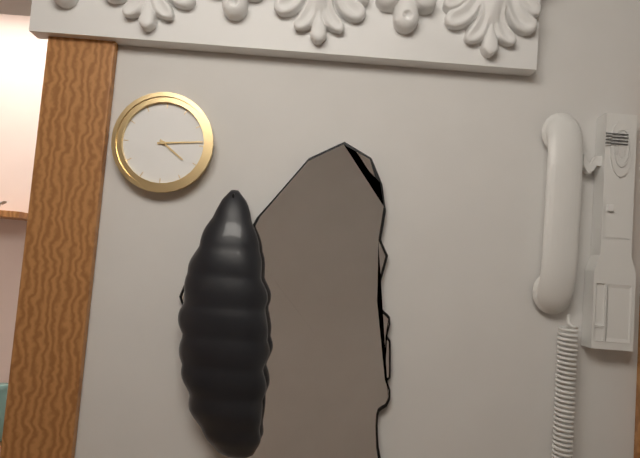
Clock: 4.14
